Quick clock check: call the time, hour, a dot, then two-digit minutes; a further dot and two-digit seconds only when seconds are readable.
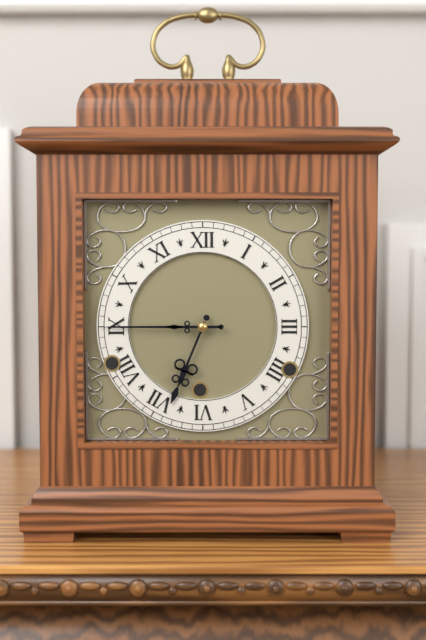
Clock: 6.45
